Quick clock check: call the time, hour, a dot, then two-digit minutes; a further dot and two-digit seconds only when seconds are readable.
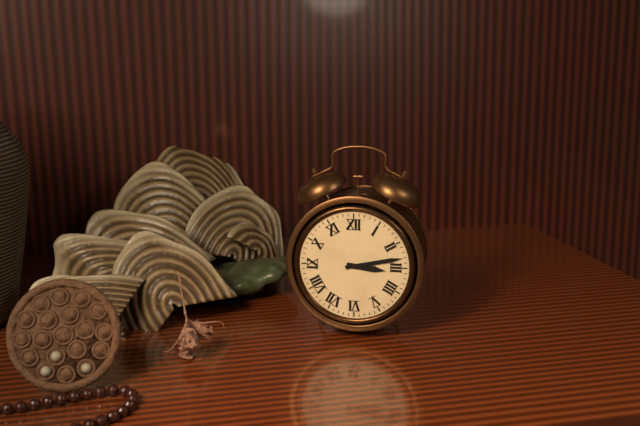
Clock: 3.13
